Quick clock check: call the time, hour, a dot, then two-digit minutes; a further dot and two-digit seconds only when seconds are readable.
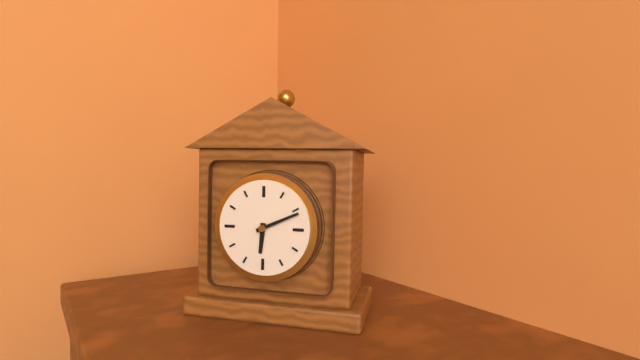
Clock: 6.11
